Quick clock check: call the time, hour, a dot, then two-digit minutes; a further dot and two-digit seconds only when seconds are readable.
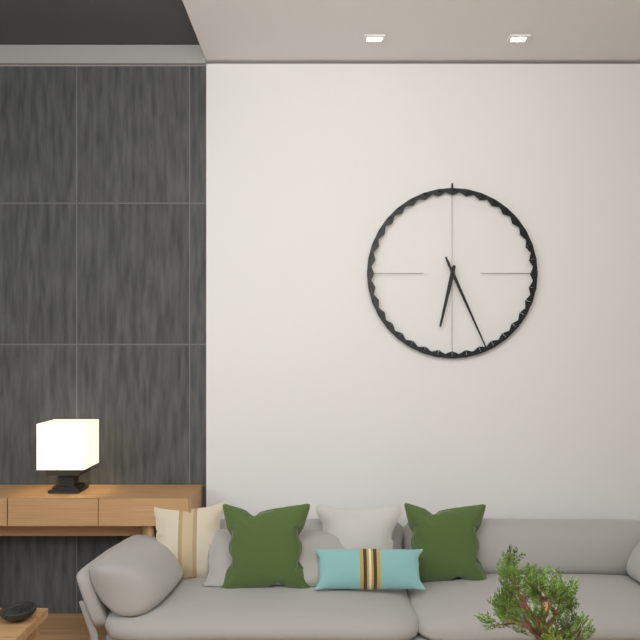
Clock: 6.26
